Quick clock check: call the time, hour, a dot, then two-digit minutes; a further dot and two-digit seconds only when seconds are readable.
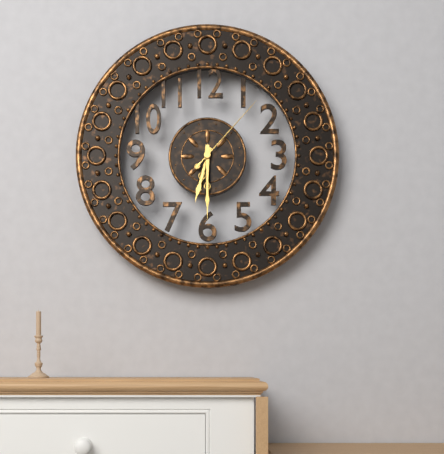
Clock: 6.30.07
